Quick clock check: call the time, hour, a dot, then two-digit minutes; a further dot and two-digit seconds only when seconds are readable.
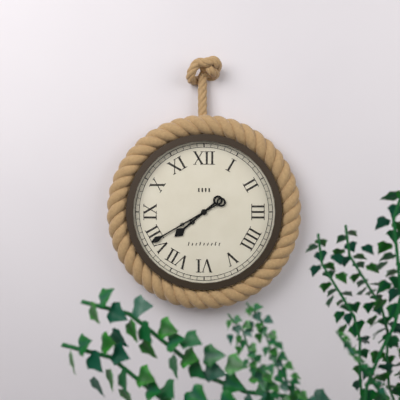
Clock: 7.40
